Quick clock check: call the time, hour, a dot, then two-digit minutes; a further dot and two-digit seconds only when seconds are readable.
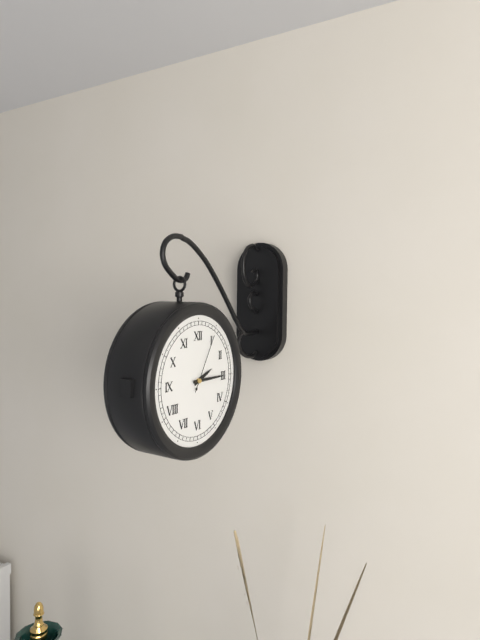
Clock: 2.15.05
